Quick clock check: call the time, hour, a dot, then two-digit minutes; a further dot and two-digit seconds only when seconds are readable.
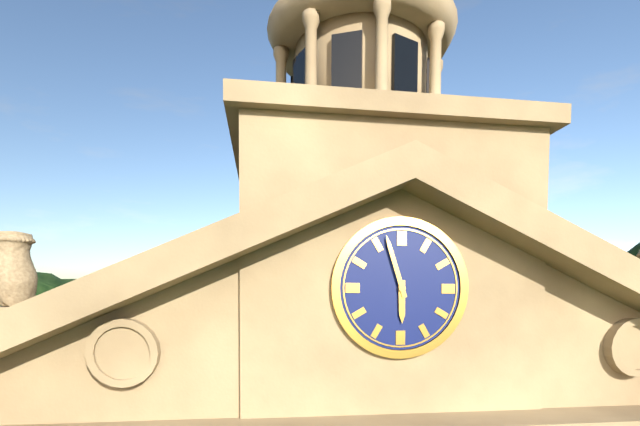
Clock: 5.57
